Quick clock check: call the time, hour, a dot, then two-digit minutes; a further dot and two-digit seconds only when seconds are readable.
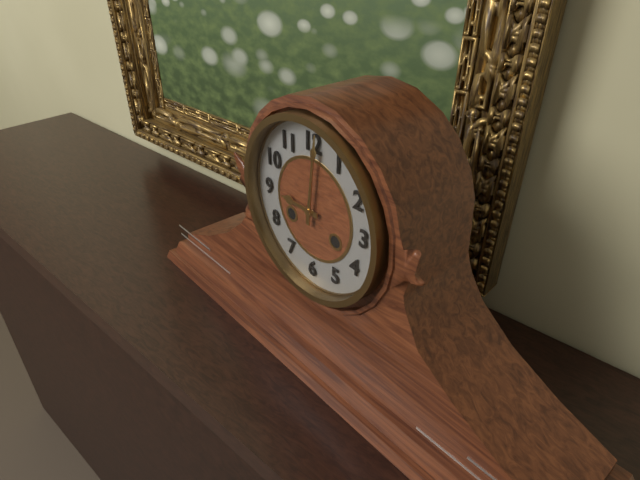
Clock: 9.01
